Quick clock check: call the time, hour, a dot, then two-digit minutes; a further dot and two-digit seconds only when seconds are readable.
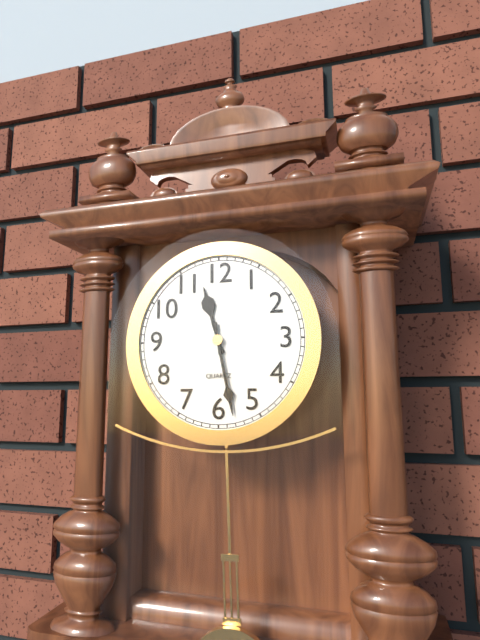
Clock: 11.28
